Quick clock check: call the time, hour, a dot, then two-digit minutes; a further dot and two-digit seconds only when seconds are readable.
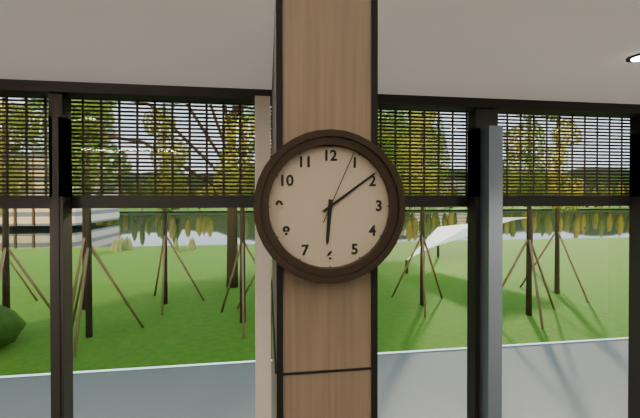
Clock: 6.09.04
